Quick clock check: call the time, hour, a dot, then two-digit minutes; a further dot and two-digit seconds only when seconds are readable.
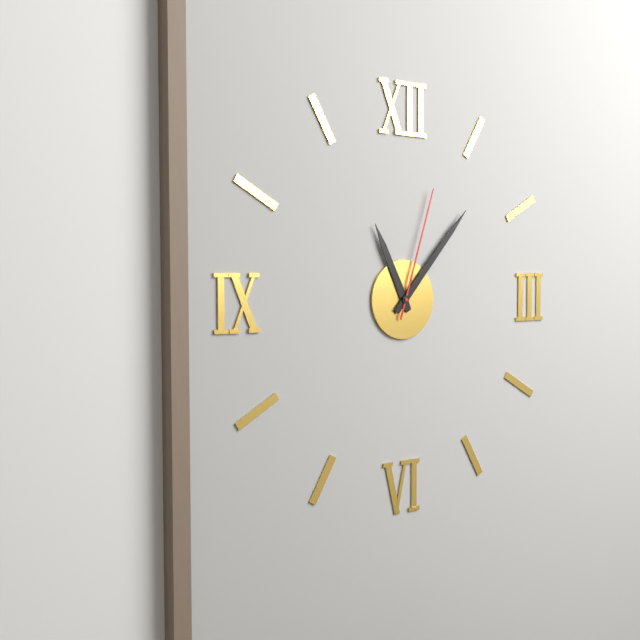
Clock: 11.07.03
